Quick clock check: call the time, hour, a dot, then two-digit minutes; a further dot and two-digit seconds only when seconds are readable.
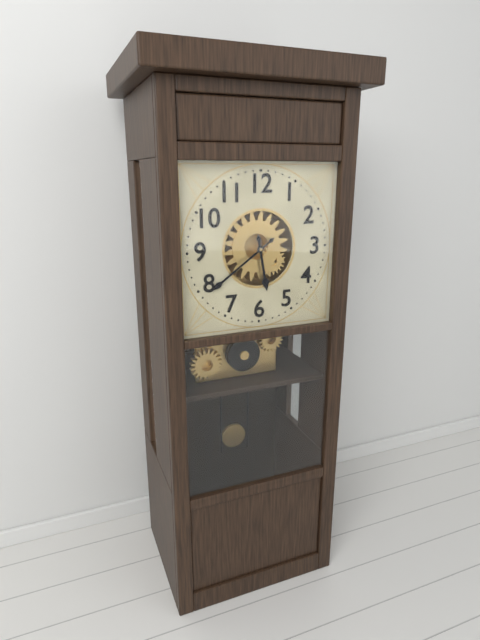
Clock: 5.39
